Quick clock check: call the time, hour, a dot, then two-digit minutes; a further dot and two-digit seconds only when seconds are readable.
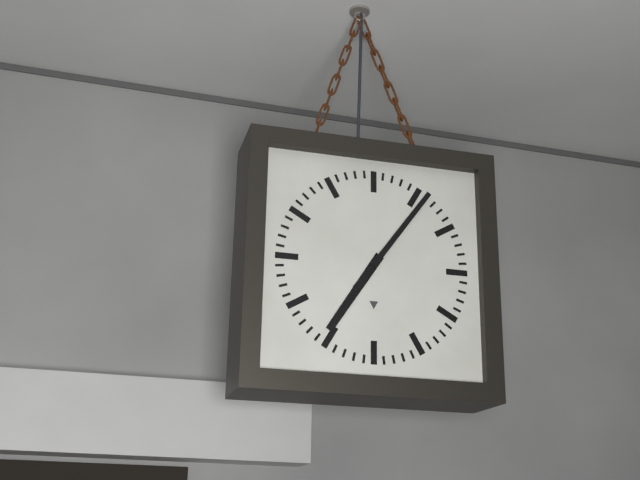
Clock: 7.06
